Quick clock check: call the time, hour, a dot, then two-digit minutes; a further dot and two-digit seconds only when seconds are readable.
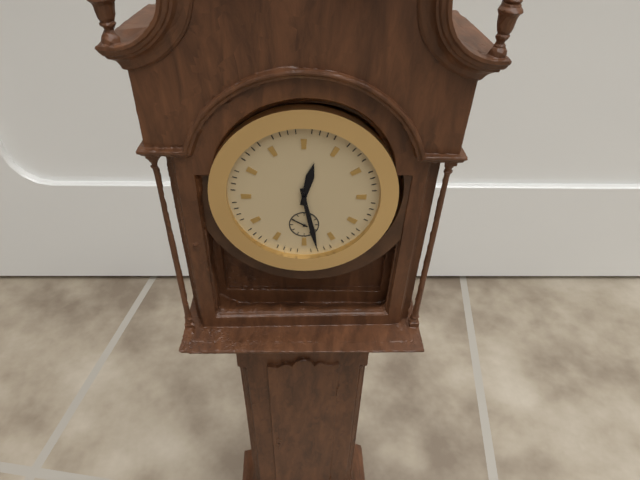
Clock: 12.28
